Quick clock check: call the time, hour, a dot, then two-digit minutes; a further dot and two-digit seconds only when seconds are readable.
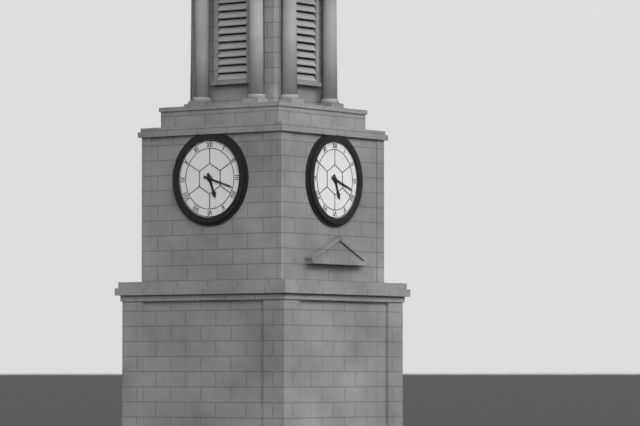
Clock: 5.18
